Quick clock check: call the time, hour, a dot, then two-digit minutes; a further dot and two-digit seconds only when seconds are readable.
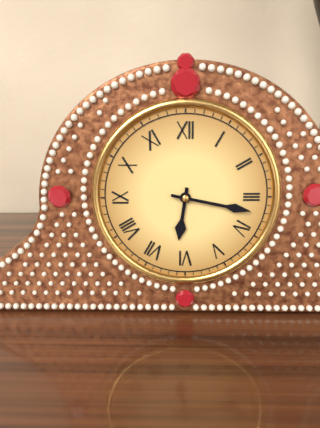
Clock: 6.17
